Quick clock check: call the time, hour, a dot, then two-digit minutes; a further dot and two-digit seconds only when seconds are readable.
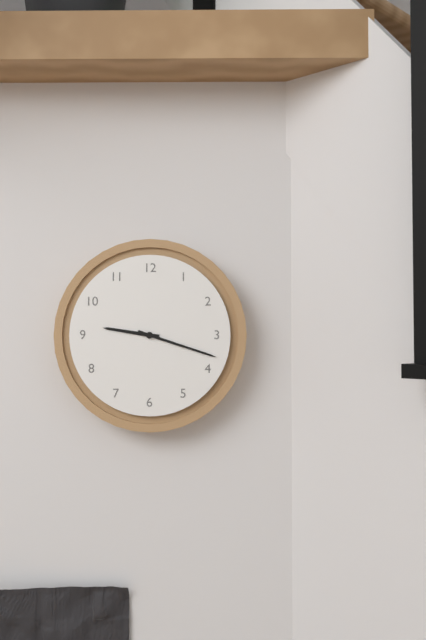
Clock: 9.18
